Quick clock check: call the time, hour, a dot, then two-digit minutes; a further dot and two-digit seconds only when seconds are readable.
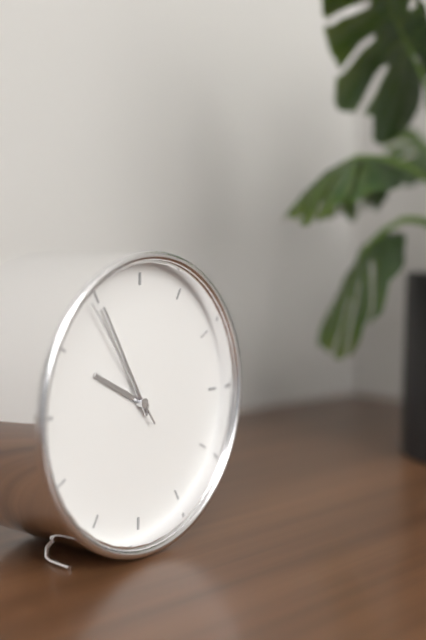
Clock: 9.55.54
